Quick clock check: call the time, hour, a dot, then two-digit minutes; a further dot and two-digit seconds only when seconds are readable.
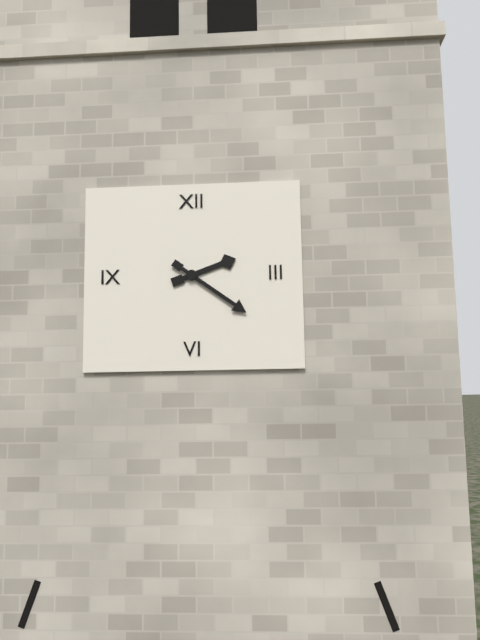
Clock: 2.21
